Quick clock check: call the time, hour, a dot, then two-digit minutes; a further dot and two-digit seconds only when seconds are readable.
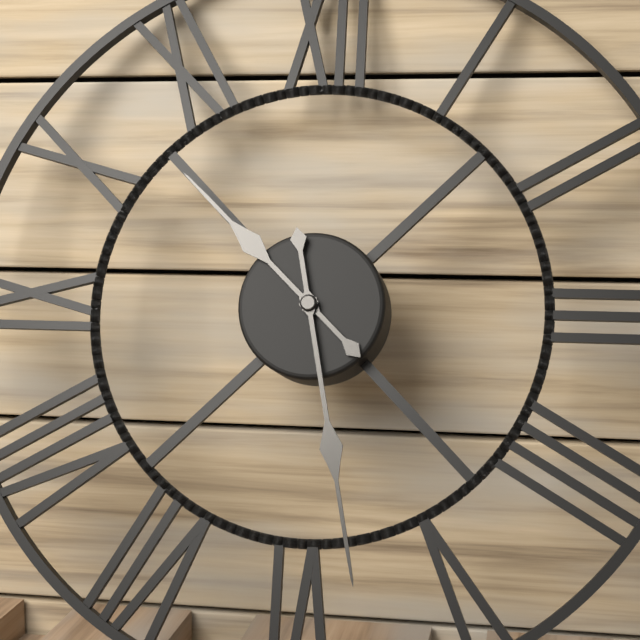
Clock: 10.28
